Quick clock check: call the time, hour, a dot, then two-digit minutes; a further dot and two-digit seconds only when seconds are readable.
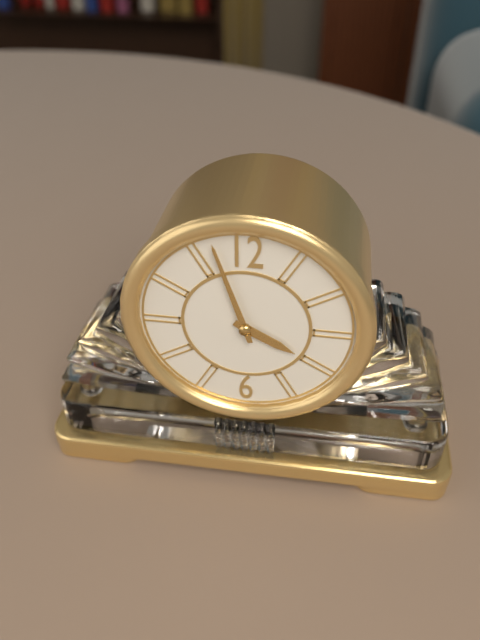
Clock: 3.57
